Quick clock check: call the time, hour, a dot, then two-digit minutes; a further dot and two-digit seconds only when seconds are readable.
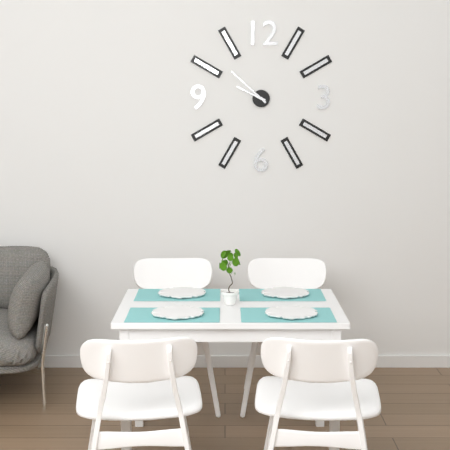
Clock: 9.52
